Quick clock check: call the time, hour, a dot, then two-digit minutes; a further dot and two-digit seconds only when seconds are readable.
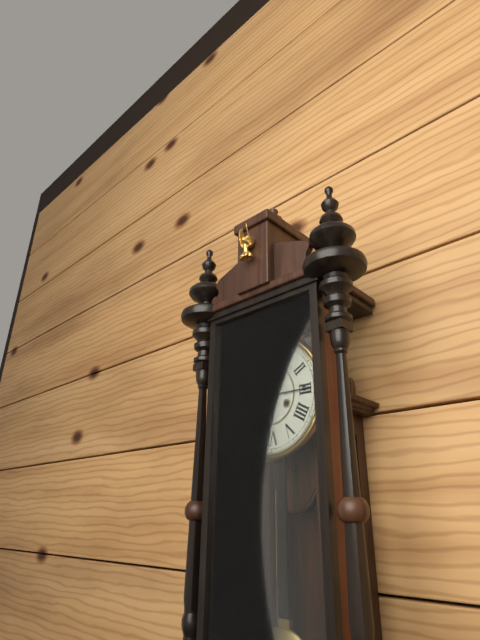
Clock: 1.15
